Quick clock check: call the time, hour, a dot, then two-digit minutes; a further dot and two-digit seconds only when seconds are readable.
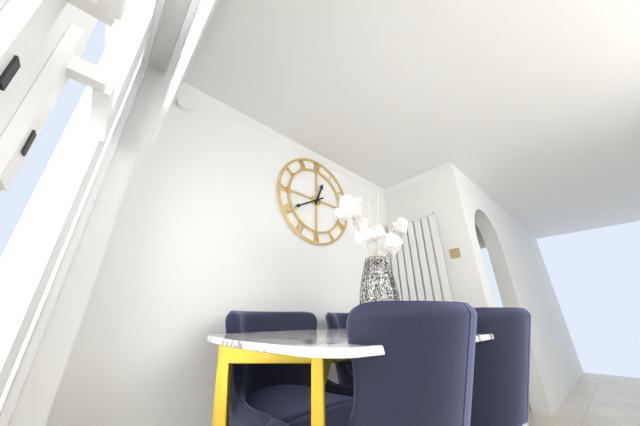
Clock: 12.40
